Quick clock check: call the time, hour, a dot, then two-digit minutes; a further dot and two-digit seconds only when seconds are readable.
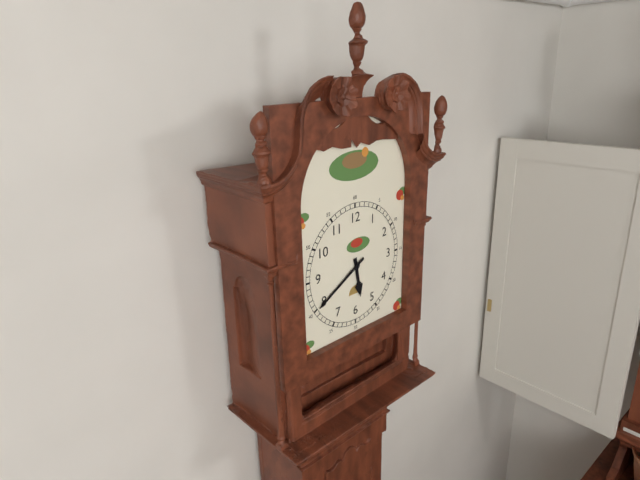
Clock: 5.40
